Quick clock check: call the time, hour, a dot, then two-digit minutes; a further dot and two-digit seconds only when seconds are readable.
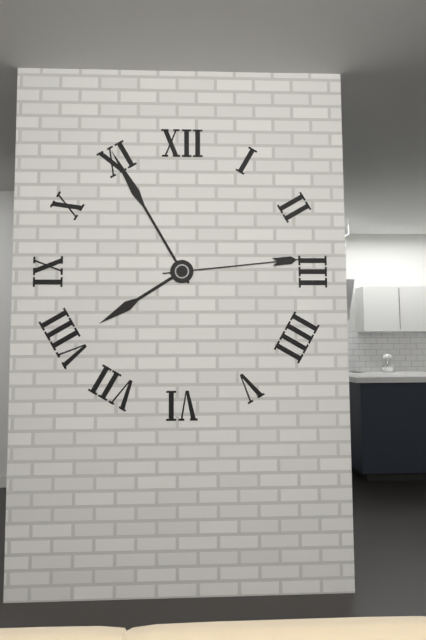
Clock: 7.55.14
